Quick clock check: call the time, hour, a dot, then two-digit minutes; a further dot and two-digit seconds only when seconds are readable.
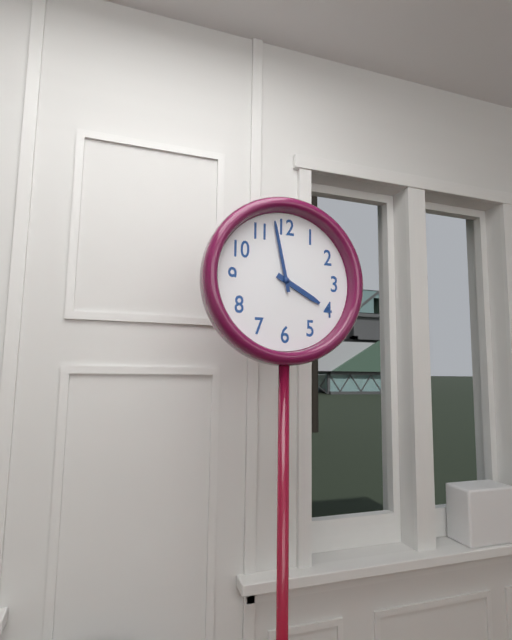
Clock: 3.58
